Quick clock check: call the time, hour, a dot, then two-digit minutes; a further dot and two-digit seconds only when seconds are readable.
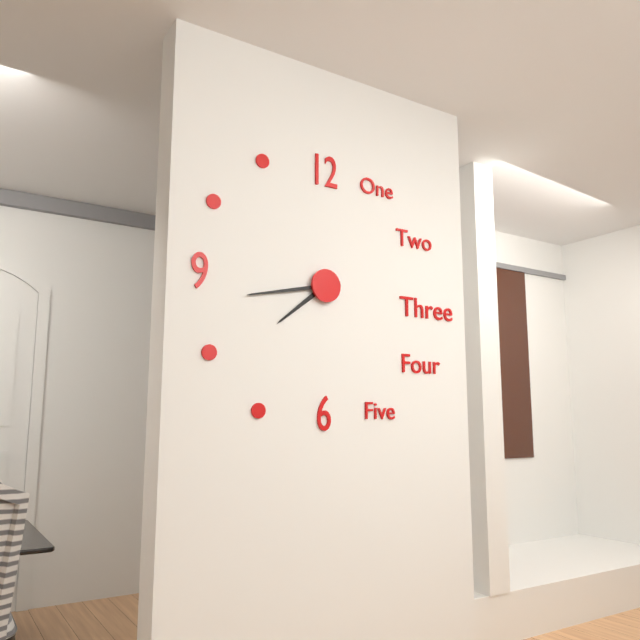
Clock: 7.43
